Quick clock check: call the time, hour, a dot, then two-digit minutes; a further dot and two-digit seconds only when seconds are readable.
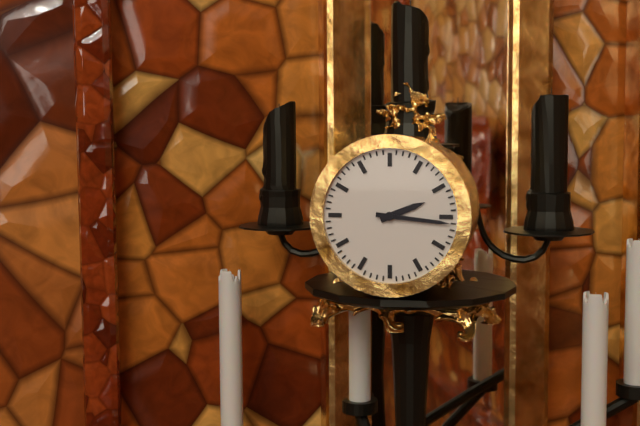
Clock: 2.16
